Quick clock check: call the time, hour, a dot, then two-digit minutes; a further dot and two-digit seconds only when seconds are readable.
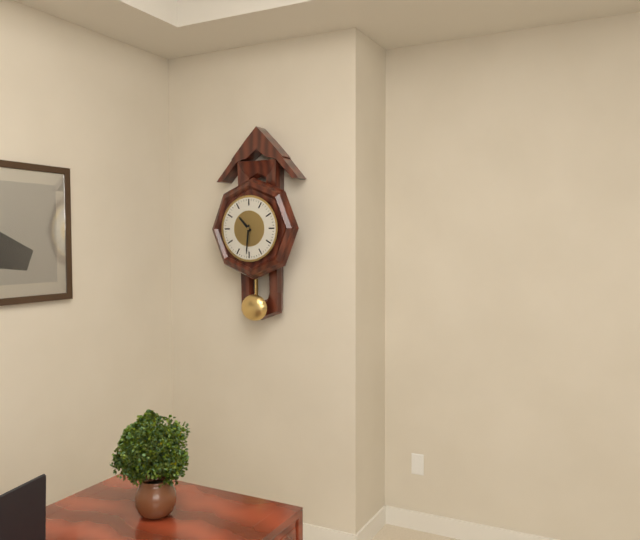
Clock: 10.31
